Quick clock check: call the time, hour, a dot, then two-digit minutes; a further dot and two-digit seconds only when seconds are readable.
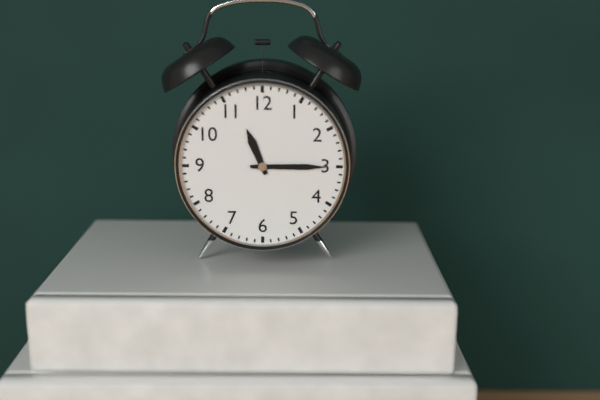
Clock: 11.15
